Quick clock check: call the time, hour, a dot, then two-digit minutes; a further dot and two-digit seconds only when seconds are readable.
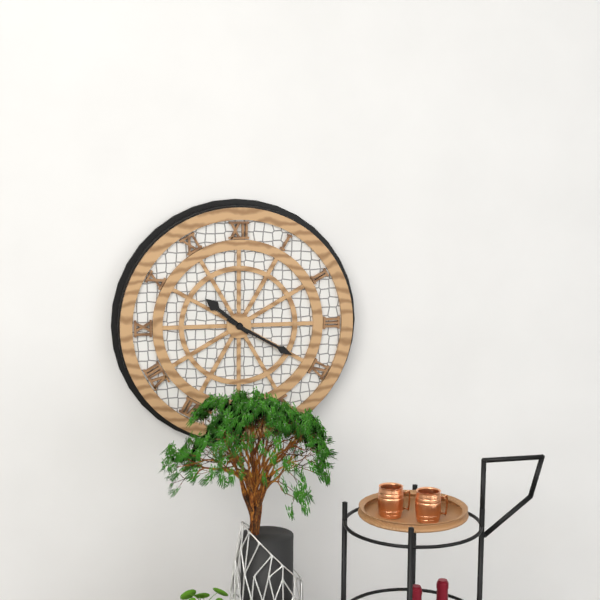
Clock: 10.20
